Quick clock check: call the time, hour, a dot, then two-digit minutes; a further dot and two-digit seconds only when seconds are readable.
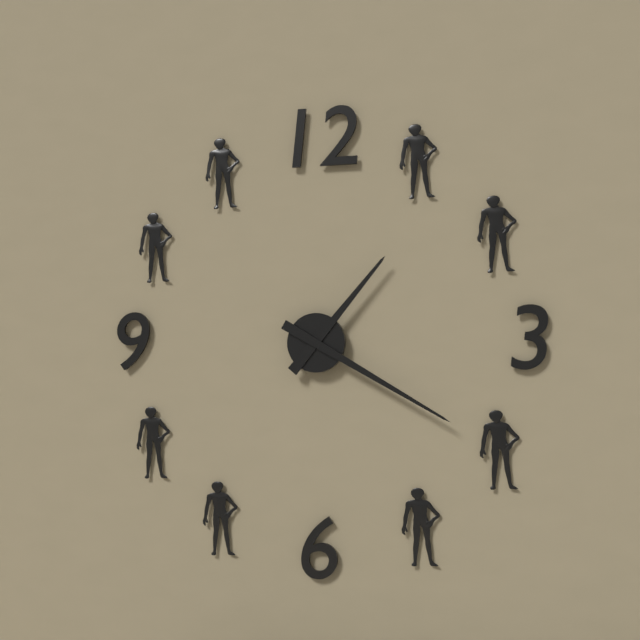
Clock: 1.20
